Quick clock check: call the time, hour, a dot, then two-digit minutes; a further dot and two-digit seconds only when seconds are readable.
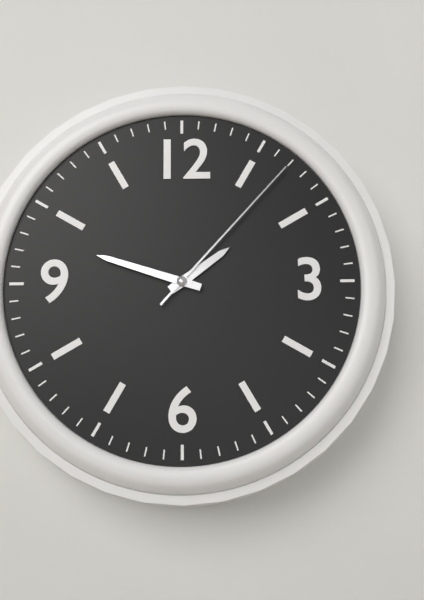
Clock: 1.48.07
